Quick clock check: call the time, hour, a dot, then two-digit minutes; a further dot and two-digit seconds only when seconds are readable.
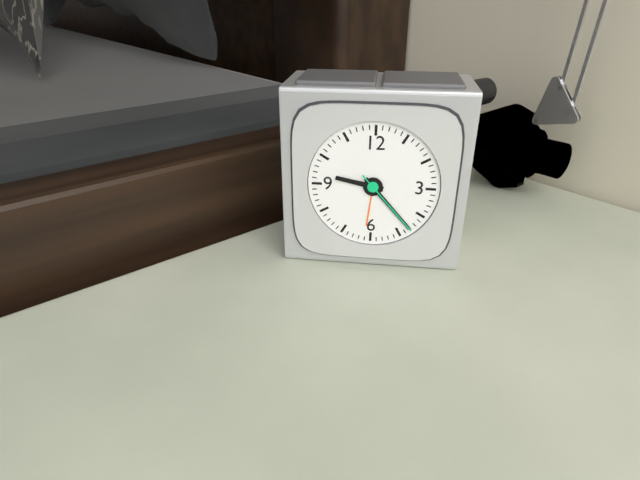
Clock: 9.23.23
